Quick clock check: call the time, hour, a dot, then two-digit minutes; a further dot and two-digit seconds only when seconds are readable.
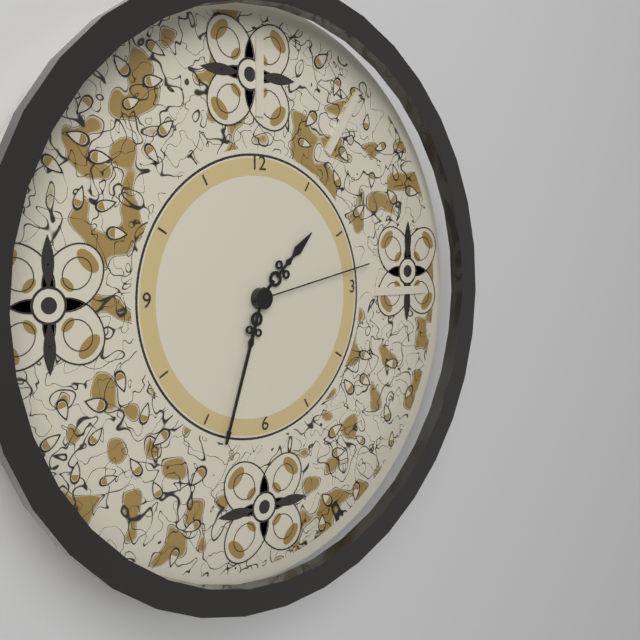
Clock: 1.33.13
